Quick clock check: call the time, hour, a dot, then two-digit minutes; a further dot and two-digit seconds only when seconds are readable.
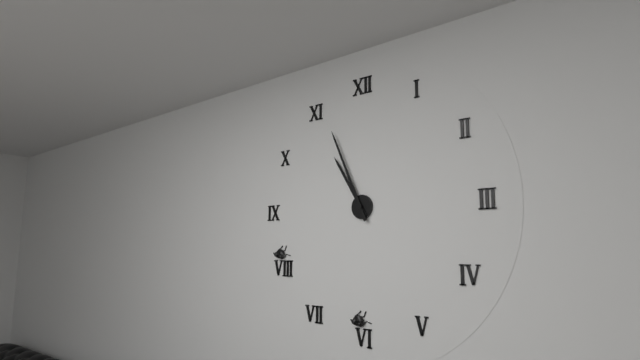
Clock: 10.56
